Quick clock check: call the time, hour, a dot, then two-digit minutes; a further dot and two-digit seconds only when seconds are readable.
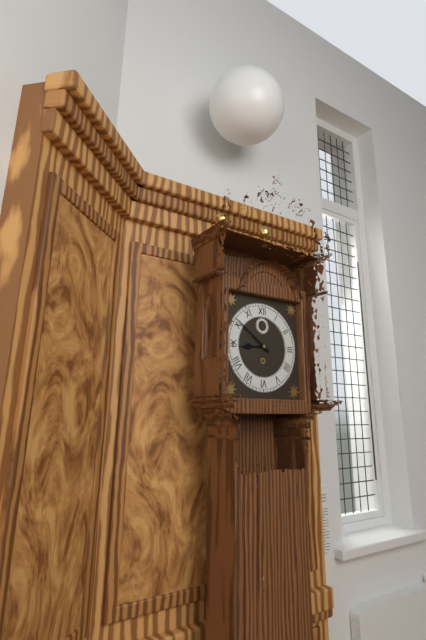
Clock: 8.51
